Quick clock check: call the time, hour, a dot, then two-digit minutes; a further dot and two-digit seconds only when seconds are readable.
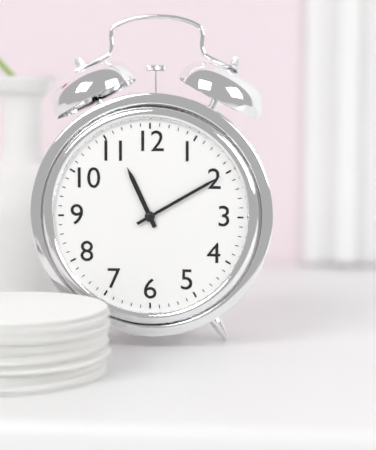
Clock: 11.10
